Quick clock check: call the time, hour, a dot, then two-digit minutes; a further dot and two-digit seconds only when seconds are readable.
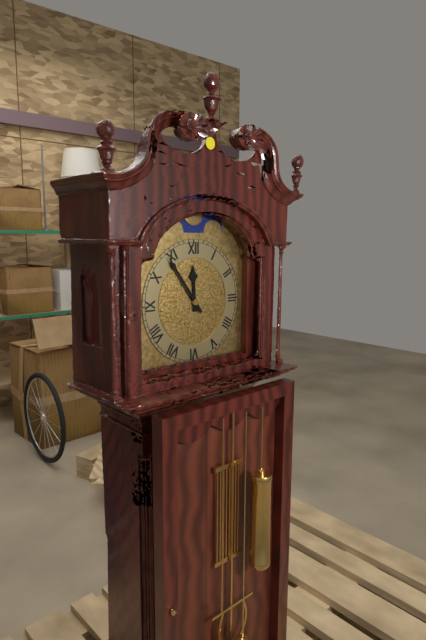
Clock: 11.54
